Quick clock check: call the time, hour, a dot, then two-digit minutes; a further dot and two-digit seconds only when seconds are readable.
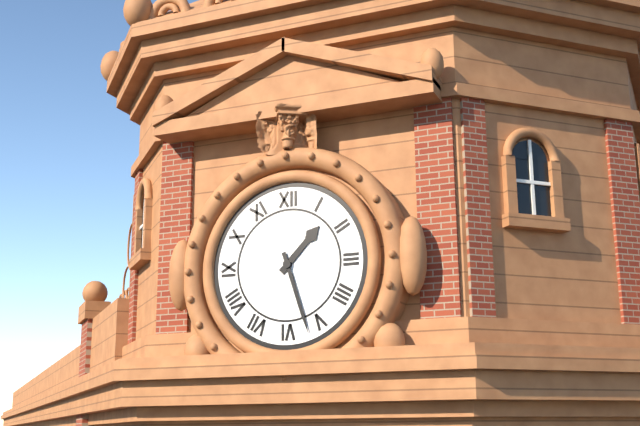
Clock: 1.27
